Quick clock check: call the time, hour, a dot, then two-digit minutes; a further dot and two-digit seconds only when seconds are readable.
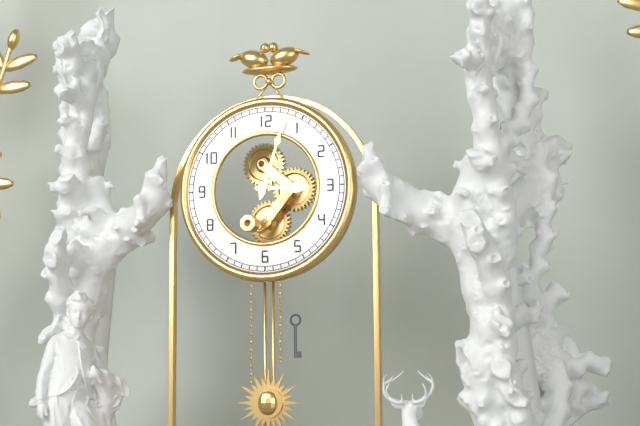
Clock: 3.03
